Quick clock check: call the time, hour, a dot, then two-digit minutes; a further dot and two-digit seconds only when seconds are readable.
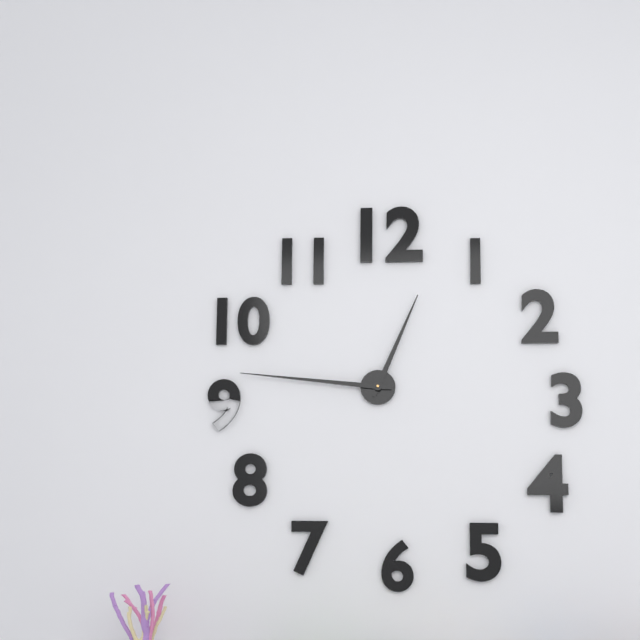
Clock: 12.46
